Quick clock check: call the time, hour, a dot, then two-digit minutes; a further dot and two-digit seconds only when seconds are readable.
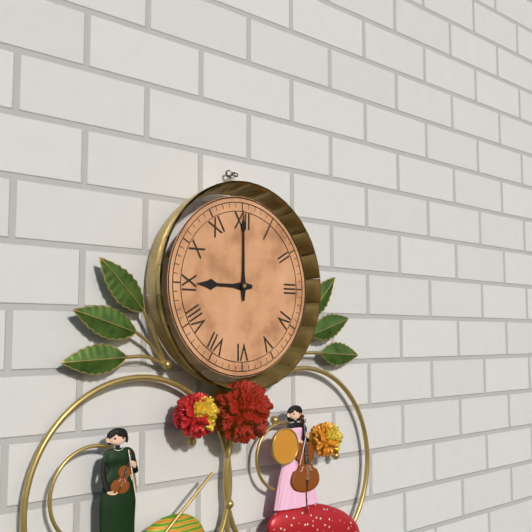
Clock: 9.00
